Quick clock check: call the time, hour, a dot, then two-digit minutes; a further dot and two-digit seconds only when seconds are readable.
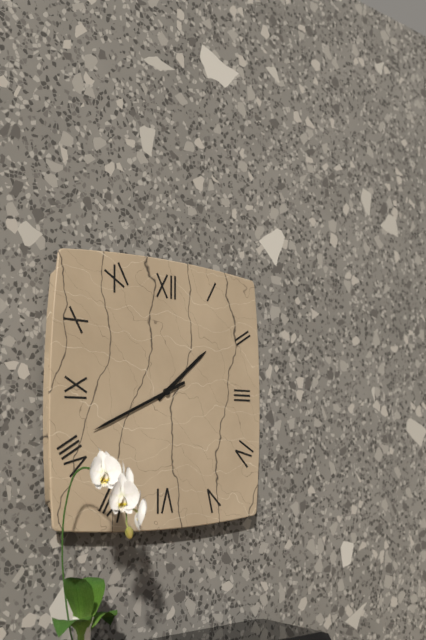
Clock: 1.41
